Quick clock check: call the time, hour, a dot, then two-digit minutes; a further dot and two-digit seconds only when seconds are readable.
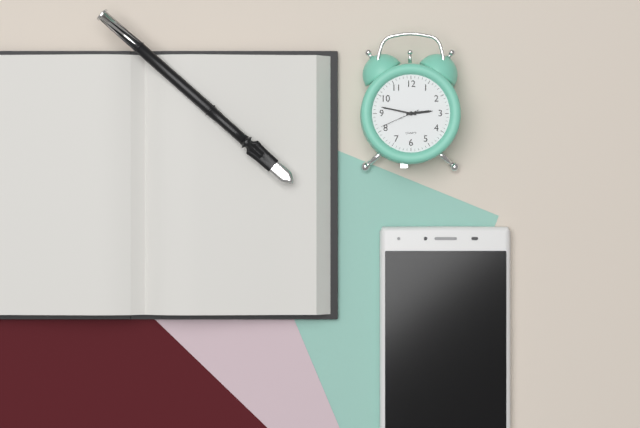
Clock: 2.47
